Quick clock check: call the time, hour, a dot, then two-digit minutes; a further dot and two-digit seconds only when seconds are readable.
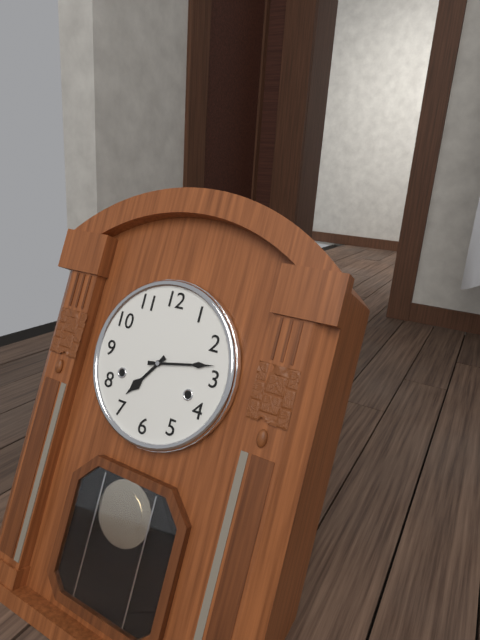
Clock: 7.13
